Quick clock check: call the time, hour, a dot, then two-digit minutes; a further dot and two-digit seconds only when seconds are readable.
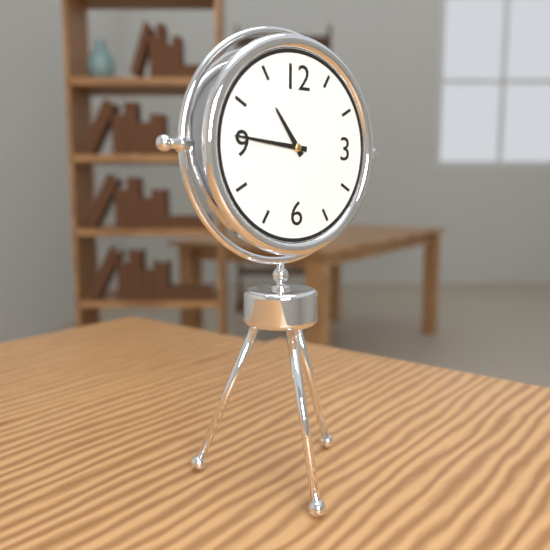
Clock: 10.46
